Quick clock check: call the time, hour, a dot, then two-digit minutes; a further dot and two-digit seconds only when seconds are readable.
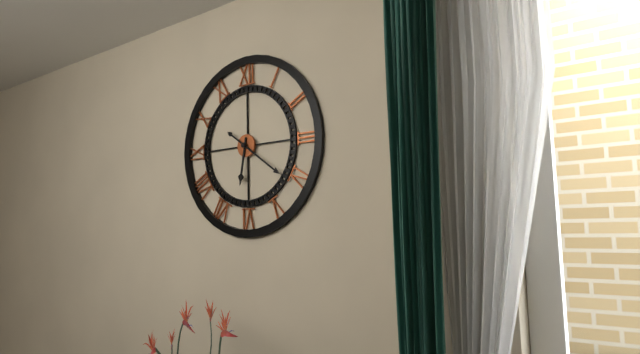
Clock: 6.21
